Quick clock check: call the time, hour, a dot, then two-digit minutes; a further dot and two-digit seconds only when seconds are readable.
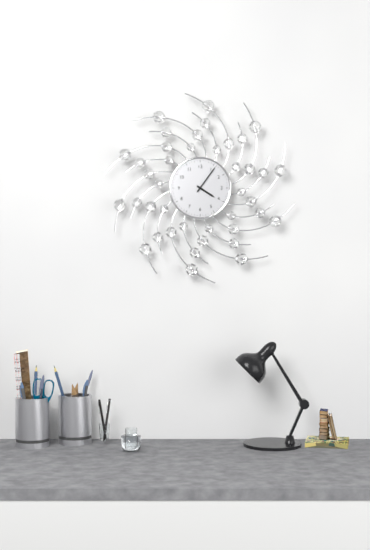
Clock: 4.06
